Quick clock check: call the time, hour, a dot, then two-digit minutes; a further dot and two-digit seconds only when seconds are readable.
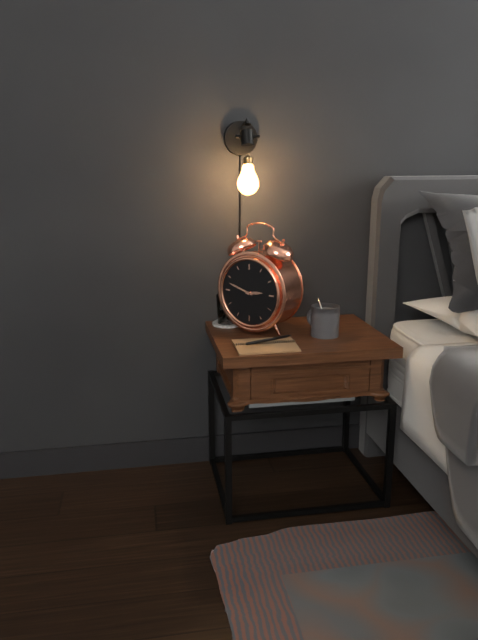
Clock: 2.48
